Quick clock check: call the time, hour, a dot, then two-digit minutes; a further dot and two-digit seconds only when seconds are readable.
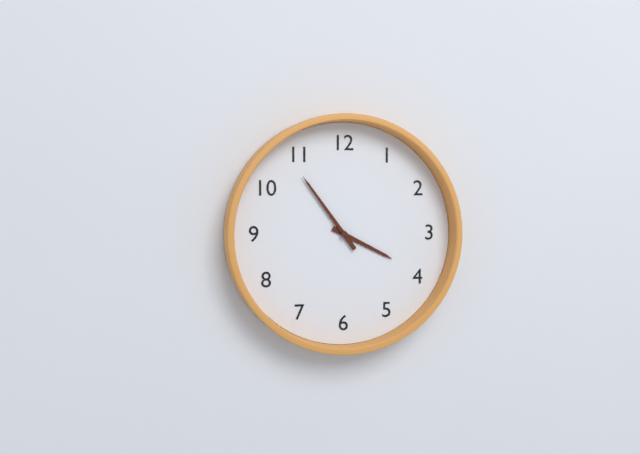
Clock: 3.54
